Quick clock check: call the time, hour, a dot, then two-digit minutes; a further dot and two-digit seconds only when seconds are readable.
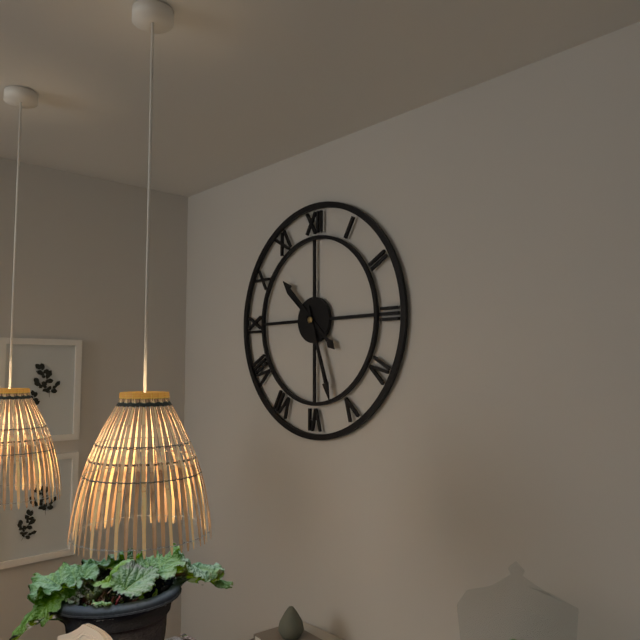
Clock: 10.27
